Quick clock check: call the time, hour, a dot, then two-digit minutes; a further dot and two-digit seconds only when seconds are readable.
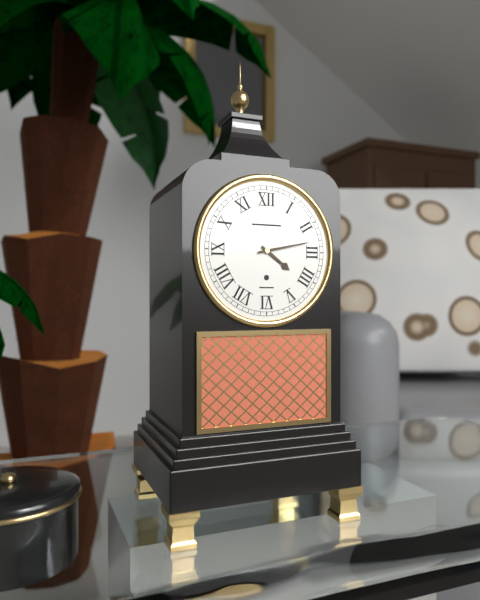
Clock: 4.13
